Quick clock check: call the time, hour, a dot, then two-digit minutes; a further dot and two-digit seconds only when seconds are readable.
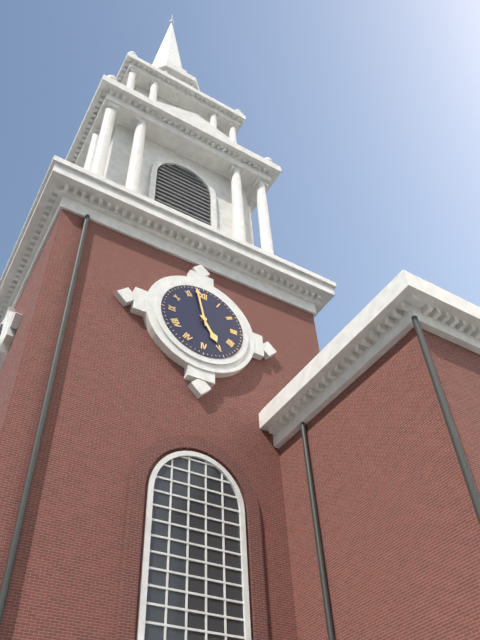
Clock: 4.58
